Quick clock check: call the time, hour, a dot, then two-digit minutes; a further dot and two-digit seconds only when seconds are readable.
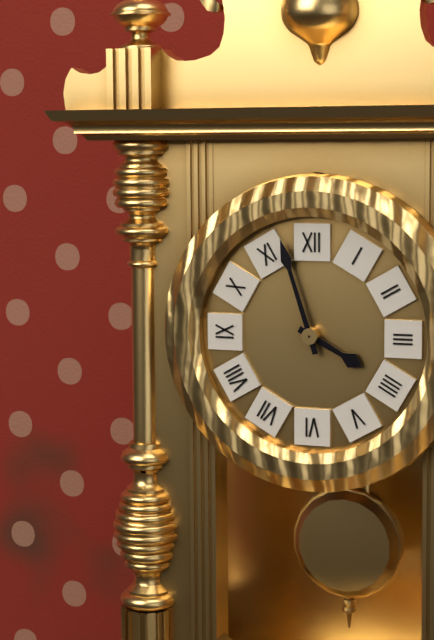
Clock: 3.57
